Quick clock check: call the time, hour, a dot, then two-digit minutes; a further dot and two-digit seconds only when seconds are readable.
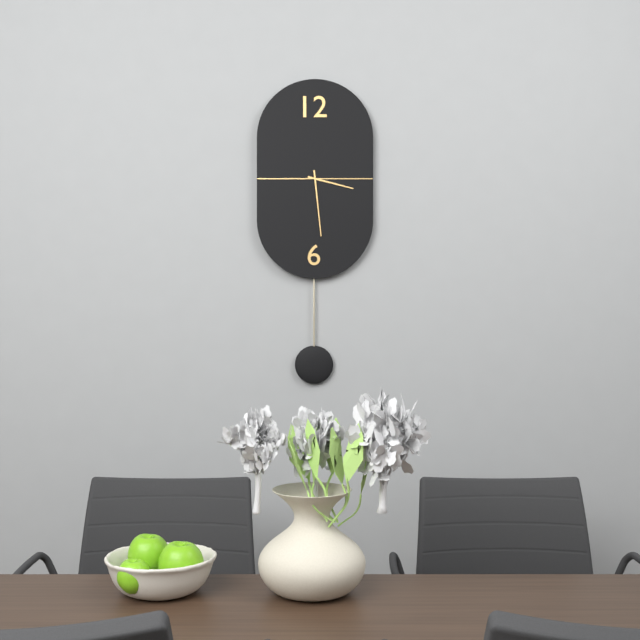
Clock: 3.29
